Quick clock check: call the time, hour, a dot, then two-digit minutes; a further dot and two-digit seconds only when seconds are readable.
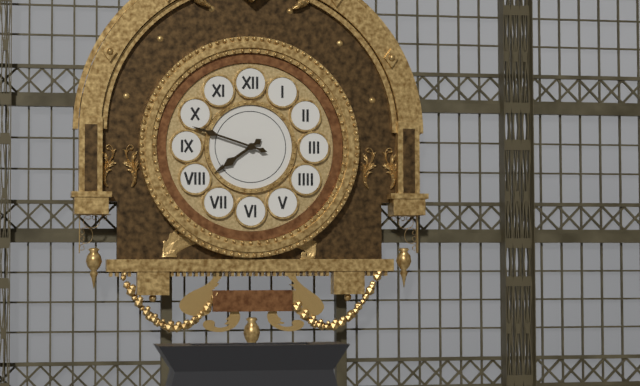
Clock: 7.48
